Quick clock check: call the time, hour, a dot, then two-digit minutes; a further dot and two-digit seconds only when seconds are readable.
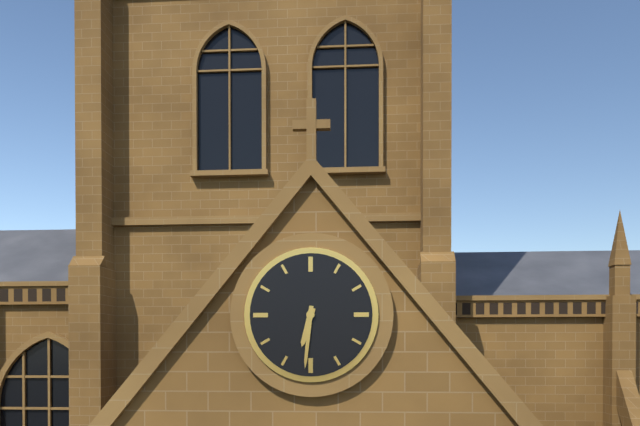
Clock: 6.31
